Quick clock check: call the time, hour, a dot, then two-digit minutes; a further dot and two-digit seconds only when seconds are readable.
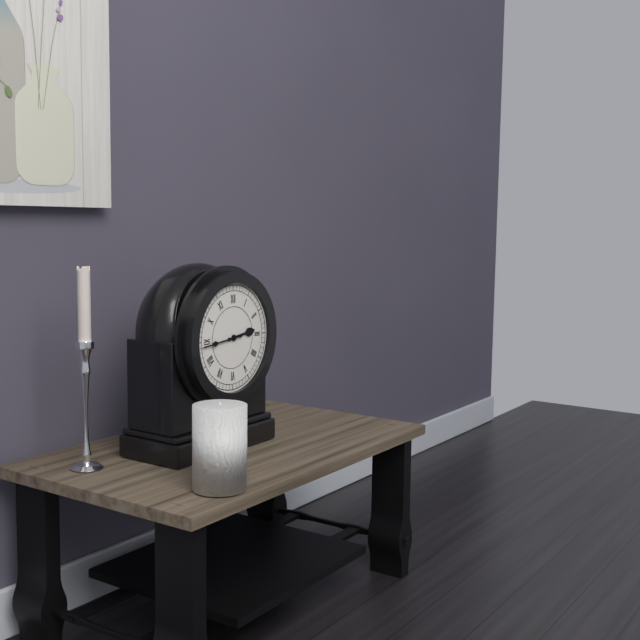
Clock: 2.44
